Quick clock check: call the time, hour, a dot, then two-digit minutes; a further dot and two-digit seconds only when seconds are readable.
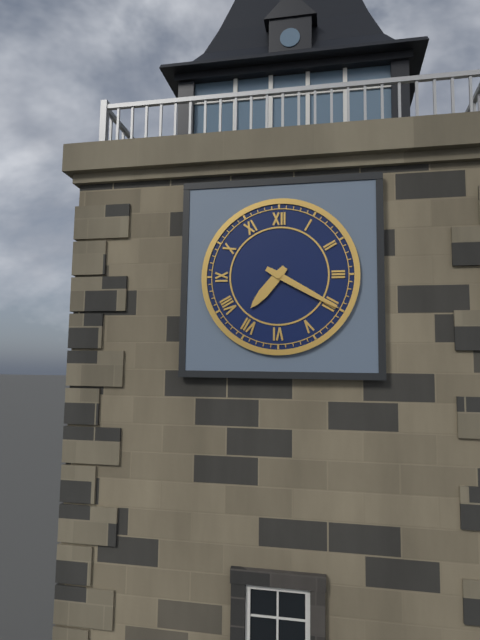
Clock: 7.20
